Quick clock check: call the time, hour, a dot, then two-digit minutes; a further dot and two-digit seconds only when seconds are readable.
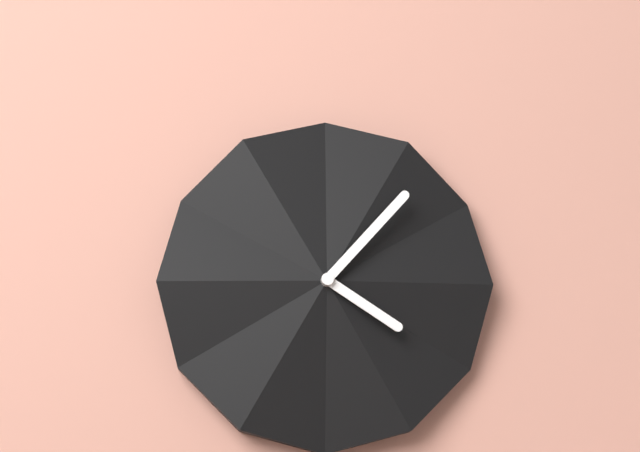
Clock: 4.07
